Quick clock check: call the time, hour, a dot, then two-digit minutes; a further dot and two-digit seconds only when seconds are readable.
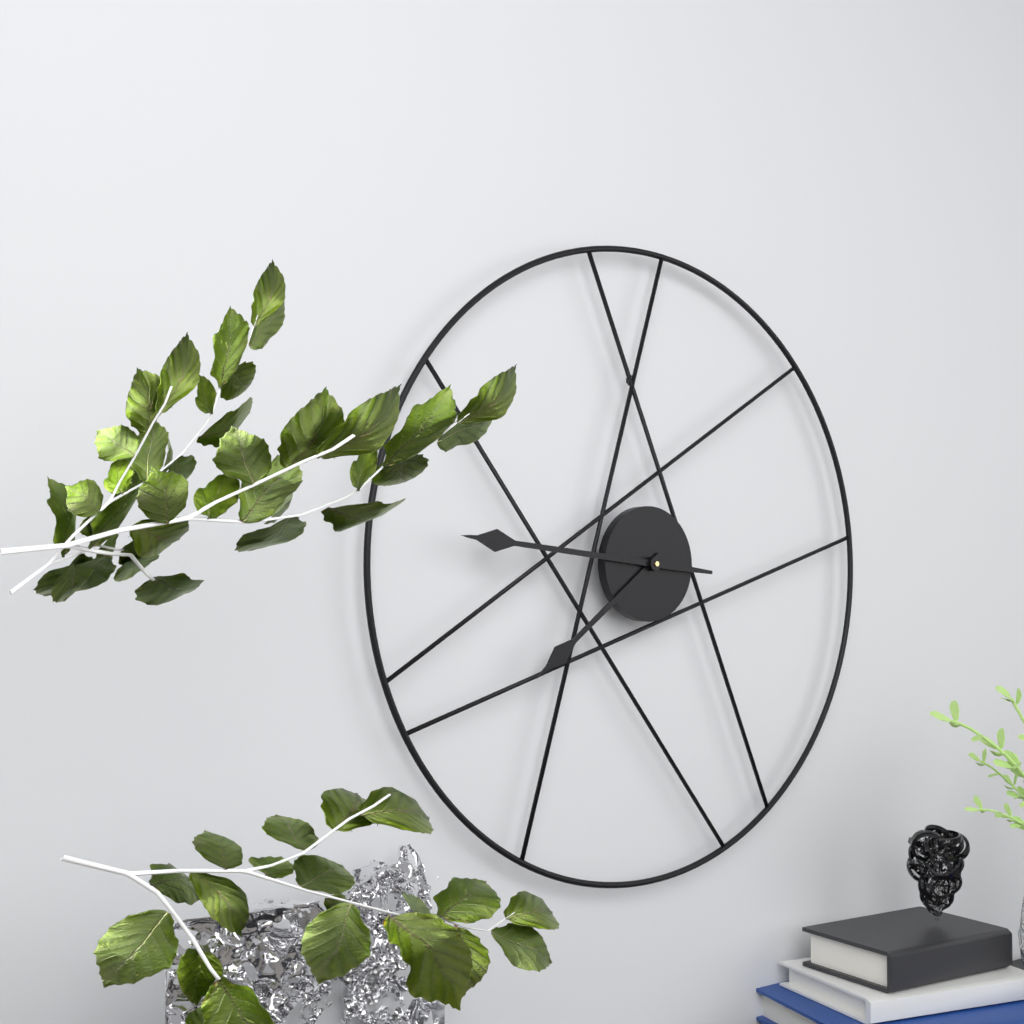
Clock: 7.46
